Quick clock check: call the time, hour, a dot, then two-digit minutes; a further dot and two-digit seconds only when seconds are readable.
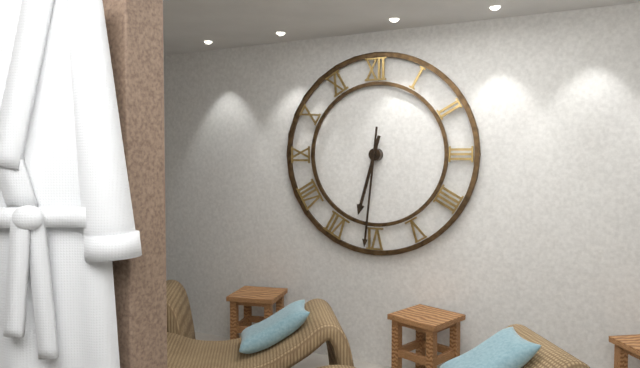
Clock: 6.31
